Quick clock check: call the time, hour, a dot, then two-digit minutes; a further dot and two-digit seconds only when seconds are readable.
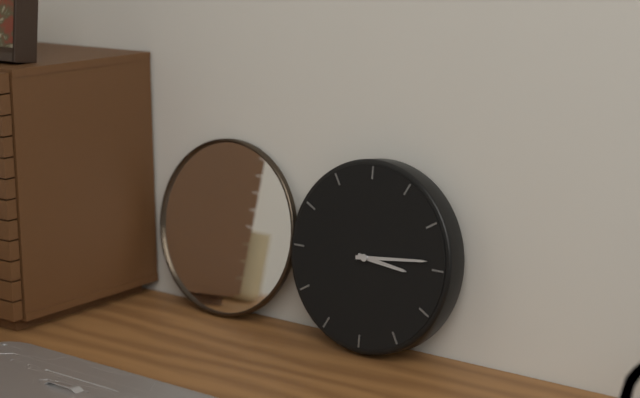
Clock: 3.14
